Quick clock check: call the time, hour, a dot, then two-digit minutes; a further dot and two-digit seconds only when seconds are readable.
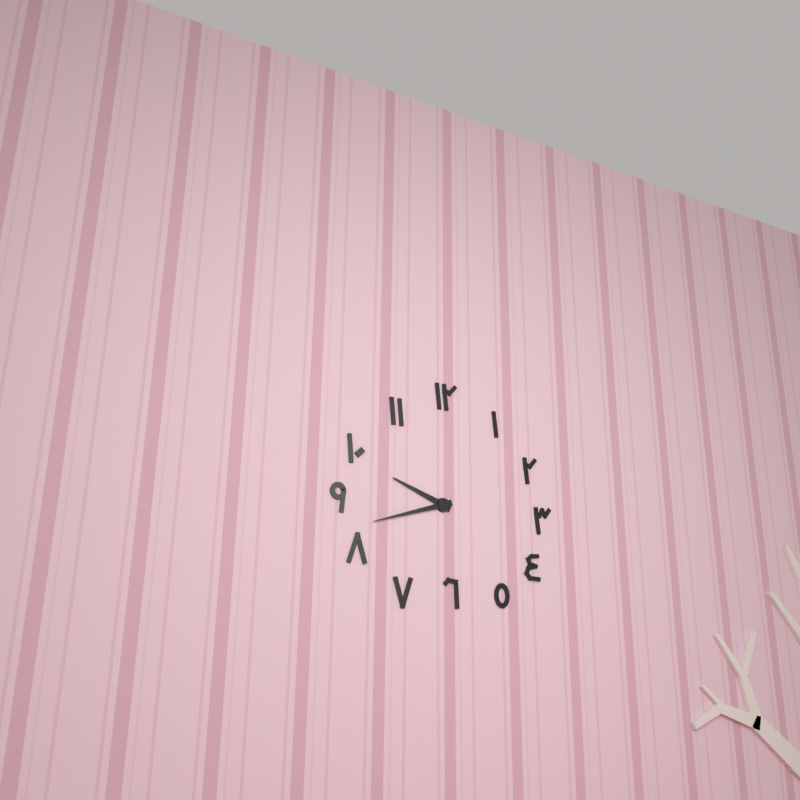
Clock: 9.42
